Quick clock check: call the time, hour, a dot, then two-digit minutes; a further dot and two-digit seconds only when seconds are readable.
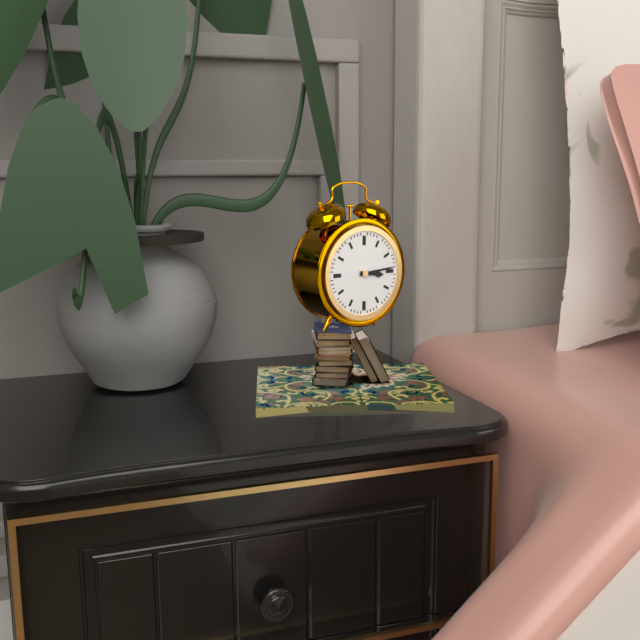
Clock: 3.14
